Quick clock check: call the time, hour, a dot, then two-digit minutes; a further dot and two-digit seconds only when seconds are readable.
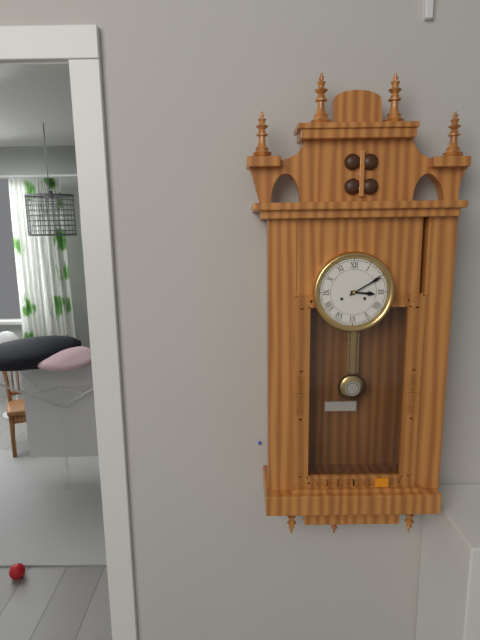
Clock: 3.10
